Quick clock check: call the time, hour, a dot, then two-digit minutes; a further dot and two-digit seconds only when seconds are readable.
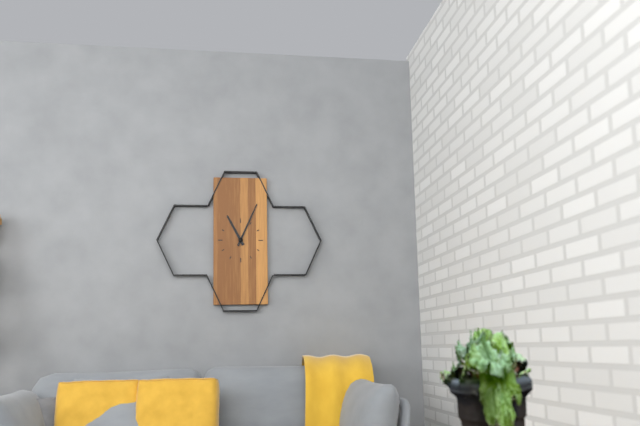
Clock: 11.04
